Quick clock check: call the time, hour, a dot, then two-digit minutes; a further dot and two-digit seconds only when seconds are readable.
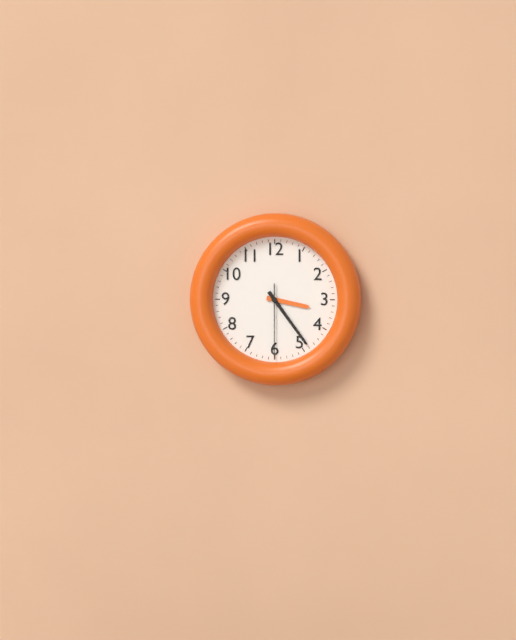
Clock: 3.24.30
